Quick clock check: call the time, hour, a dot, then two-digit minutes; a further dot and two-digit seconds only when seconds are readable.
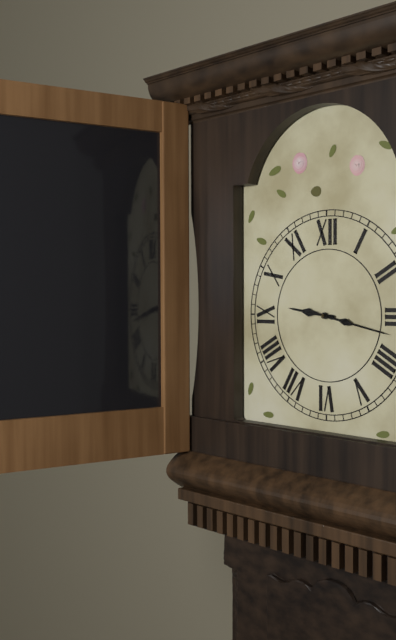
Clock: 9.17
